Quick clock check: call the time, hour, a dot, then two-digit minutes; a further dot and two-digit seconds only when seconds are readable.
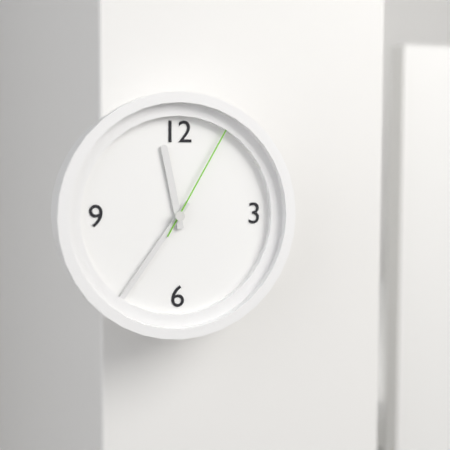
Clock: 11.36.05
